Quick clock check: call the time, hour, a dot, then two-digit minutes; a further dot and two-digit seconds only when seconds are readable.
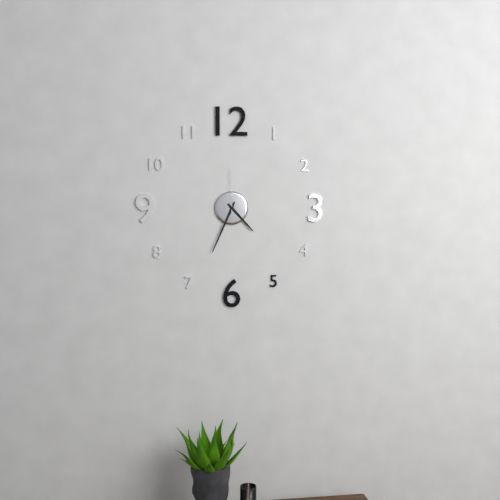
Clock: 4.34.00
